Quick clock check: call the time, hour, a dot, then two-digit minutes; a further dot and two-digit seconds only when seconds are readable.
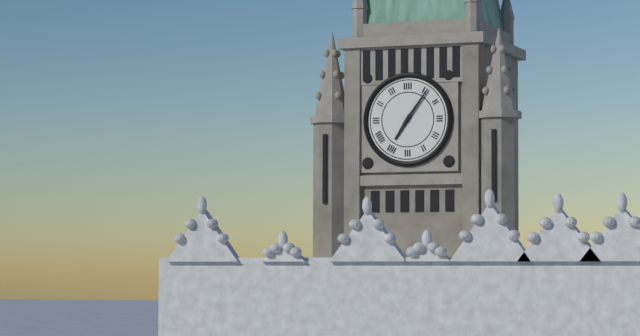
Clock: 7.06
